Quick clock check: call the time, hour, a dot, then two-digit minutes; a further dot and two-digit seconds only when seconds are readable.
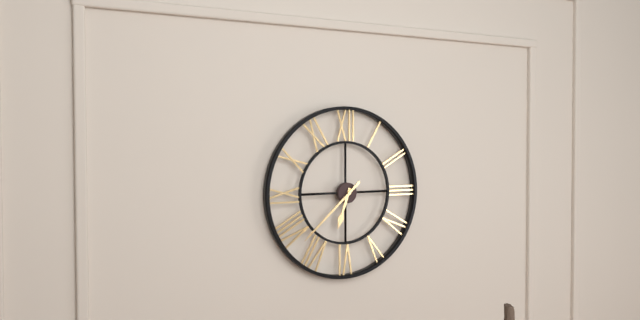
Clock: 6.38
